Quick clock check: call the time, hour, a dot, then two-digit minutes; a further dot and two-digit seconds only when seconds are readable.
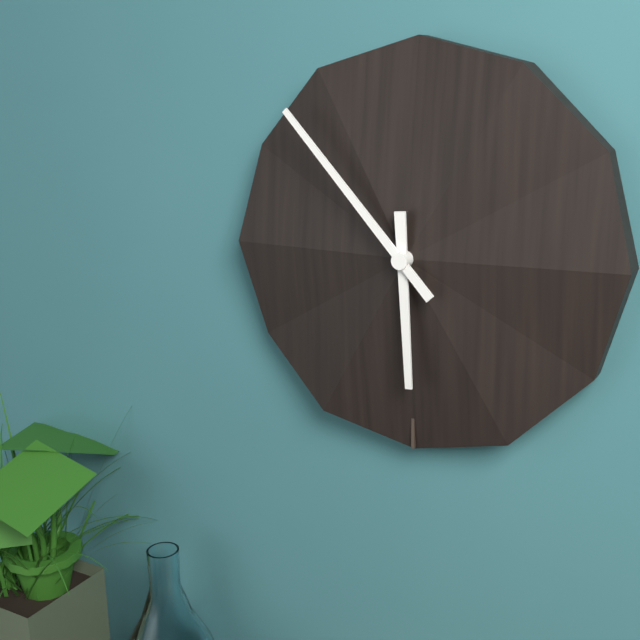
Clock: 5.53
